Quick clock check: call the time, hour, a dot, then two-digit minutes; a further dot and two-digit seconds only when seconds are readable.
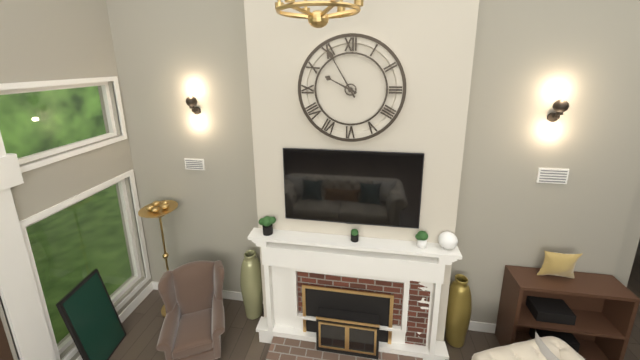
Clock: 9.55
